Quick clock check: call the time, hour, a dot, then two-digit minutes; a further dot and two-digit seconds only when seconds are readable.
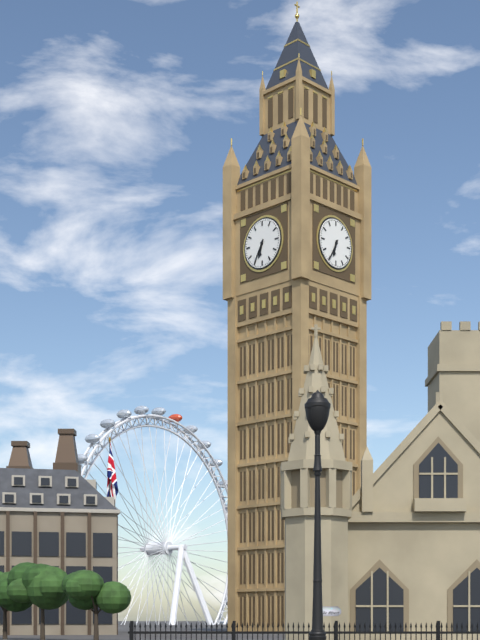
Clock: 6.35
